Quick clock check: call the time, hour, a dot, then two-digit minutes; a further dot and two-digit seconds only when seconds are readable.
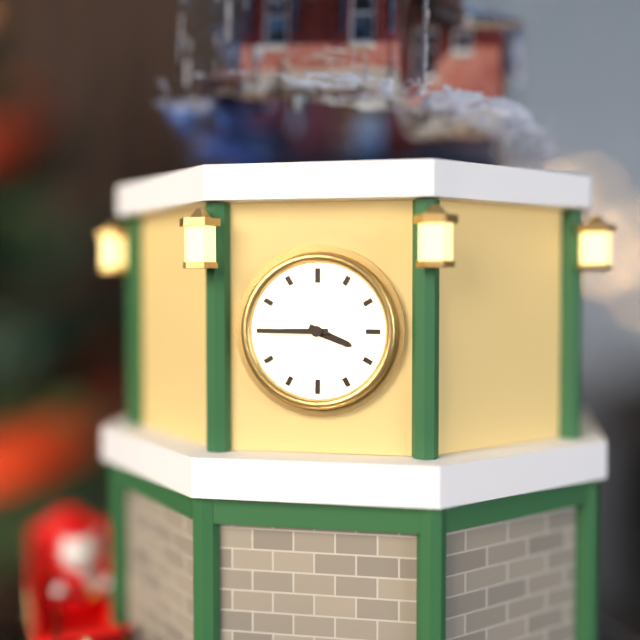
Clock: 3.45
